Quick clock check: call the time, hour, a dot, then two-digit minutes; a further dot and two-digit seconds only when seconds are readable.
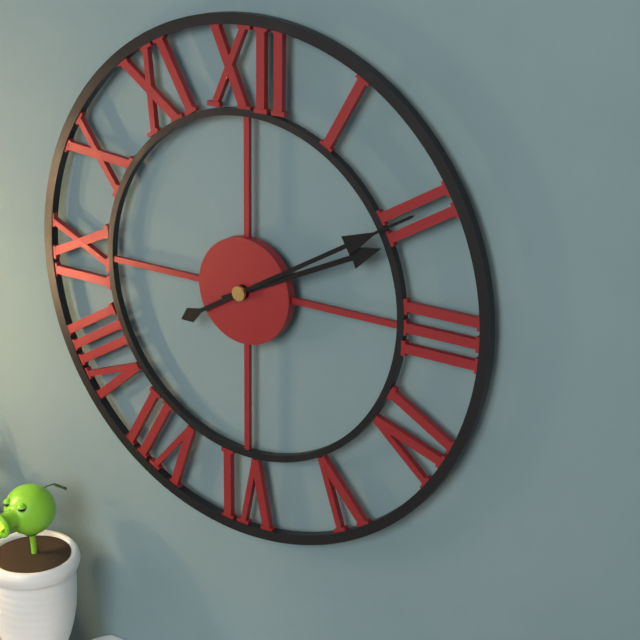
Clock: 2.10
